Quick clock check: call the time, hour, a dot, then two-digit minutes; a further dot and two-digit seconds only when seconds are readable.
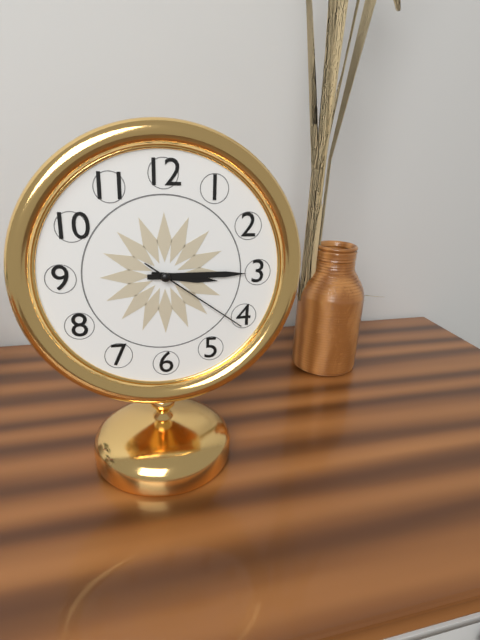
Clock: 3.15.21
